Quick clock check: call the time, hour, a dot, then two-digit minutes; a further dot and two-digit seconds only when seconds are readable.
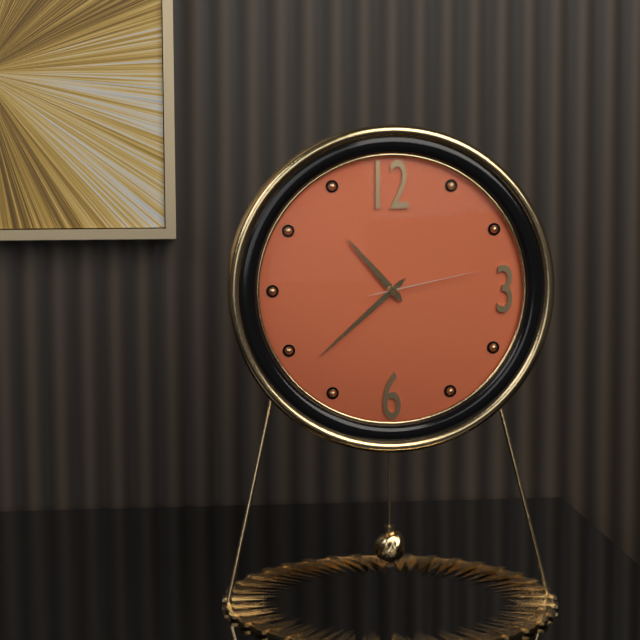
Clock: 10.38.13
